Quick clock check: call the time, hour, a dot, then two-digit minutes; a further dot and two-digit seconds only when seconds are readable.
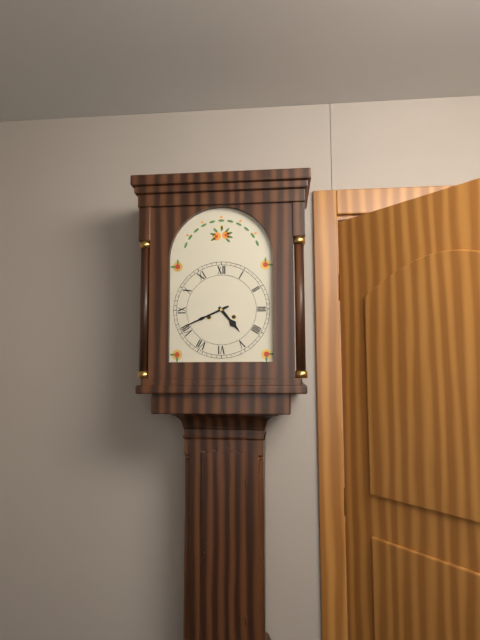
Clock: 4.41
